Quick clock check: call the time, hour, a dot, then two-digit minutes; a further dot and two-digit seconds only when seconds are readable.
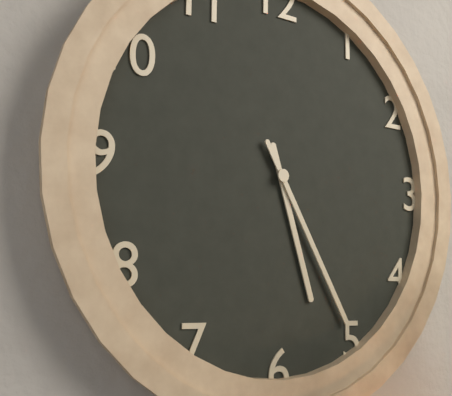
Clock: 5.25
